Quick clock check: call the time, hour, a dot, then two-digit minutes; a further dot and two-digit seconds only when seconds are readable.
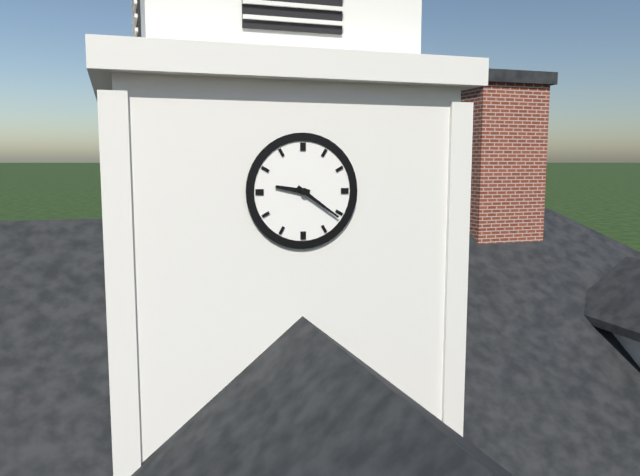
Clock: 9.21
